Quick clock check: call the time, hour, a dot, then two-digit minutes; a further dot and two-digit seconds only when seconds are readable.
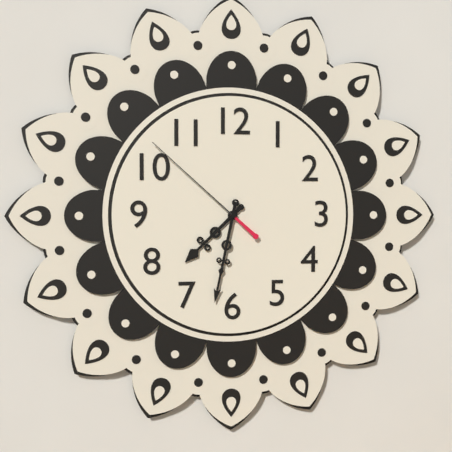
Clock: 7.32.52
